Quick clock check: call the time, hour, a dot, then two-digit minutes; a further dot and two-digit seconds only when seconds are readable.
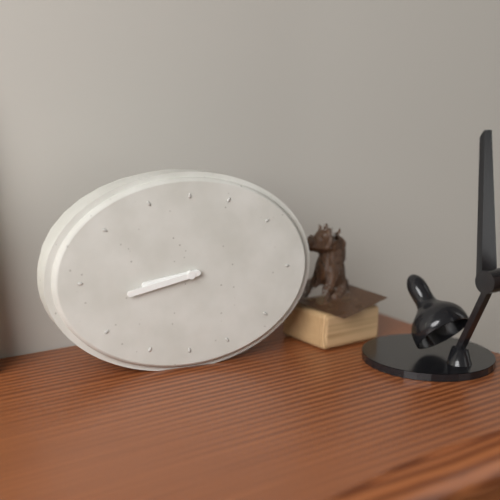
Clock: 8.43
